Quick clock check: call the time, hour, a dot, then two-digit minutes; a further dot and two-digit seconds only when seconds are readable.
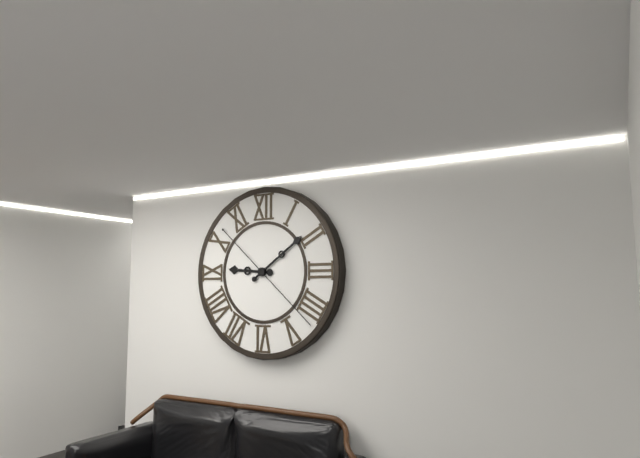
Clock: 9.09.22
